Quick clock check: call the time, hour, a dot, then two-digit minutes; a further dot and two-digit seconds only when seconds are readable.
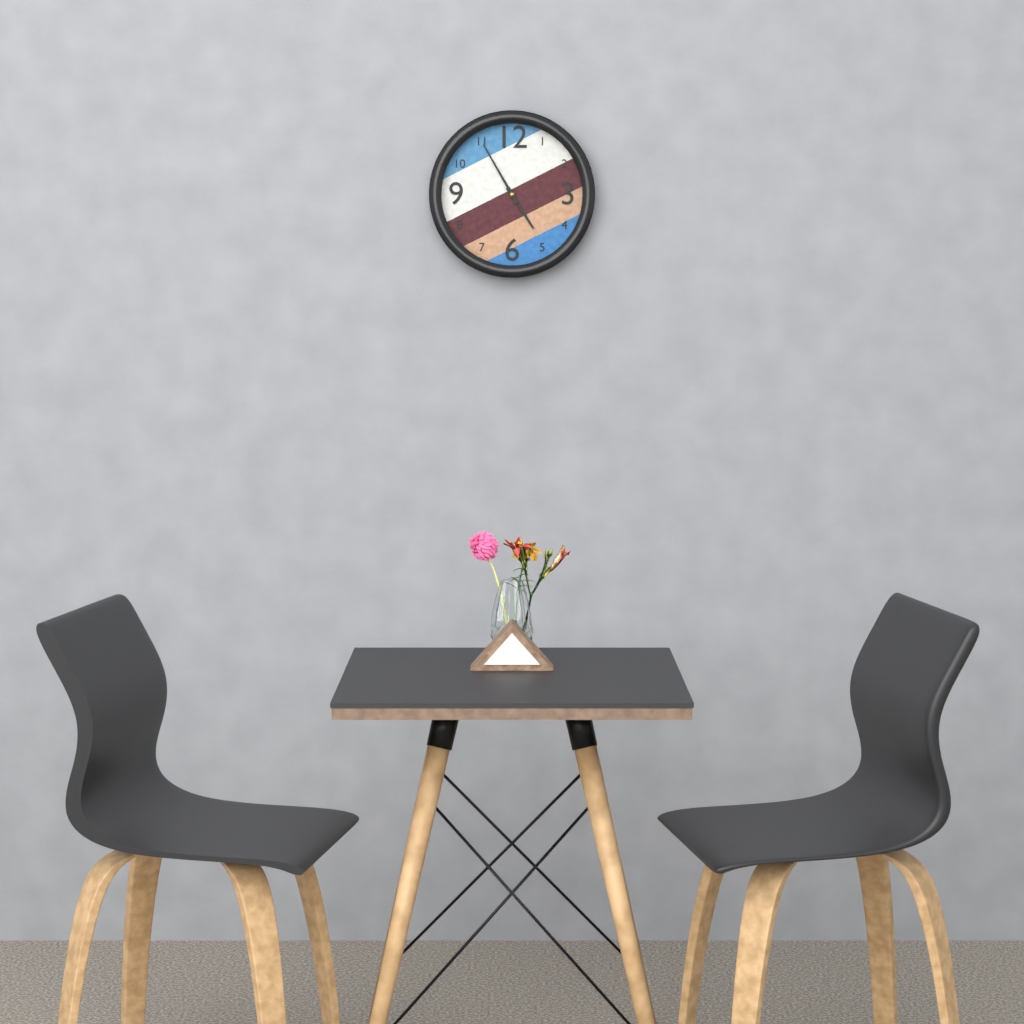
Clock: 4.55
